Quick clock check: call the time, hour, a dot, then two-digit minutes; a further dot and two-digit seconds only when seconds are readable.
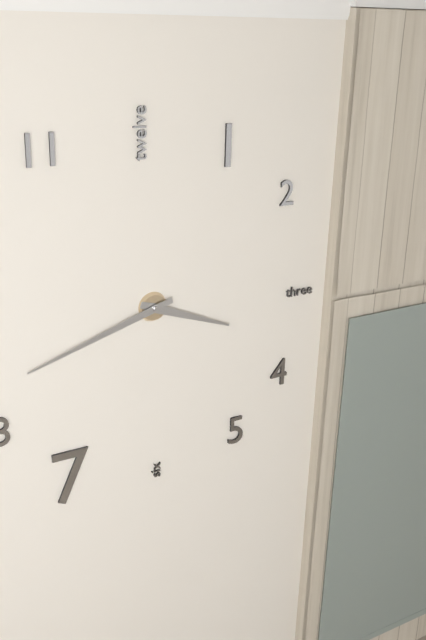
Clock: 3.42
